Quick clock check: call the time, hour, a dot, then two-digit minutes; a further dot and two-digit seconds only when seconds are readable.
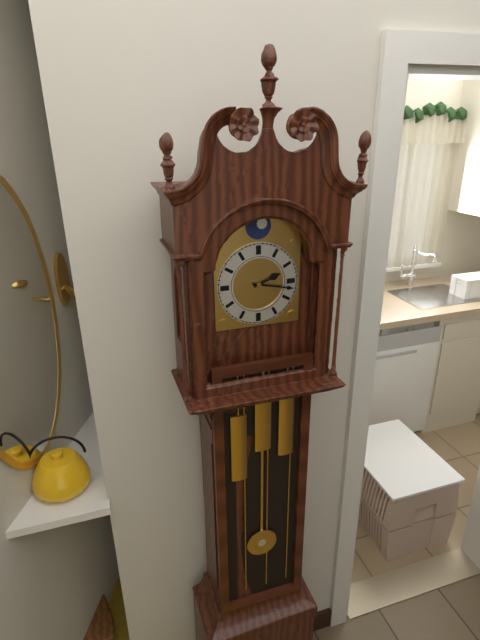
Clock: 2.17
